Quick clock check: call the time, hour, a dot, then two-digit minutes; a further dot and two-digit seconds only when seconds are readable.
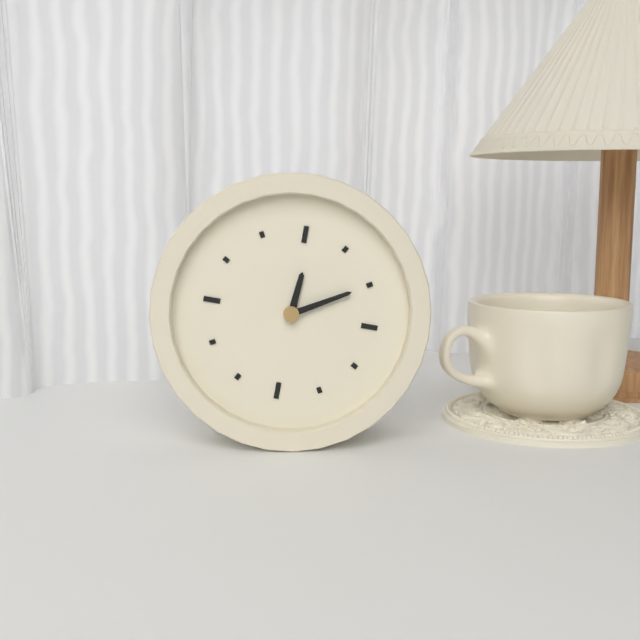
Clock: 12.10
